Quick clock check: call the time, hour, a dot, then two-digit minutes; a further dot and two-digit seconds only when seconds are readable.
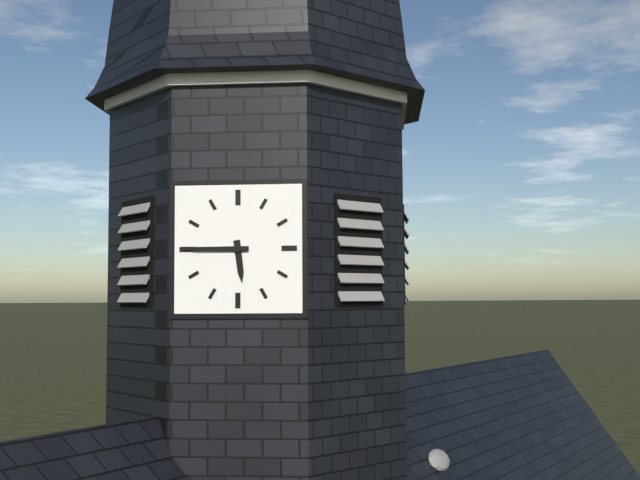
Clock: 5.45
